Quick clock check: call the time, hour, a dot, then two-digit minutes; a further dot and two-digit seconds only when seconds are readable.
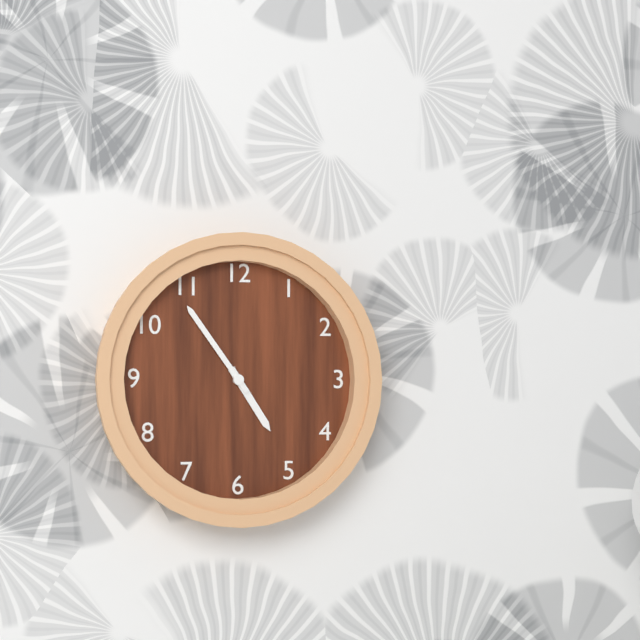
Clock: 4.54
